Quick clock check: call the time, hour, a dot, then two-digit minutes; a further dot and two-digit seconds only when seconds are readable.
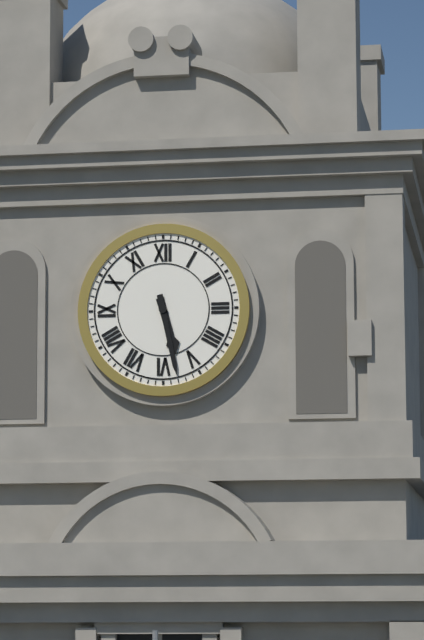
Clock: 5.28
